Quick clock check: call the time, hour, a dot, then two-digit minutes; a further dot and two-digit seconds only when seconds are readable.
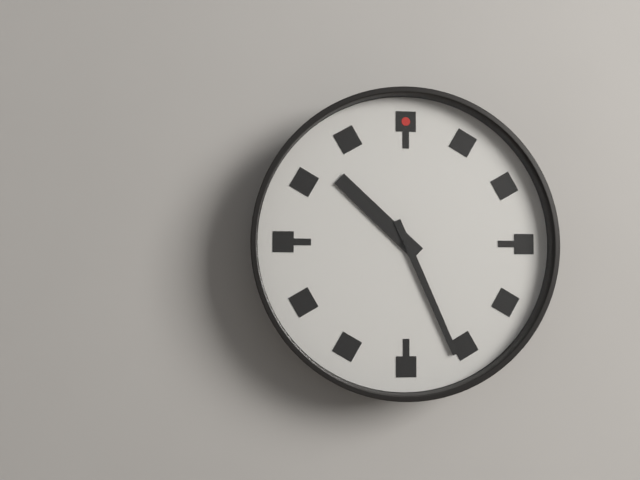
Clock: 10.26
